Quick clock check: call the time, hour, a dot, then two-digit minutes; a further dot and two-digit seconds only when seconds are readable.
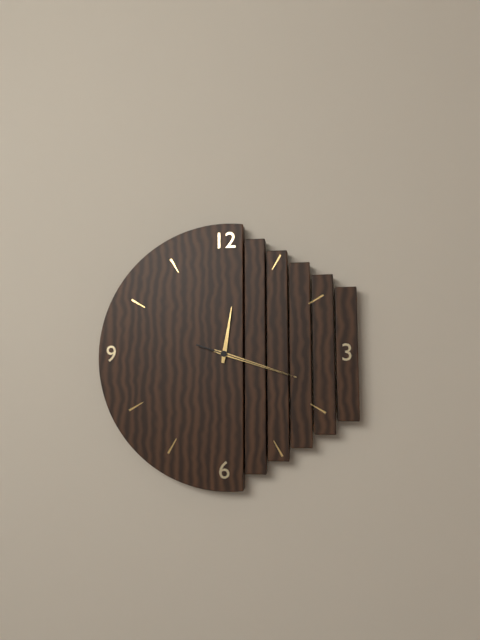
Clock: 12.18.18
